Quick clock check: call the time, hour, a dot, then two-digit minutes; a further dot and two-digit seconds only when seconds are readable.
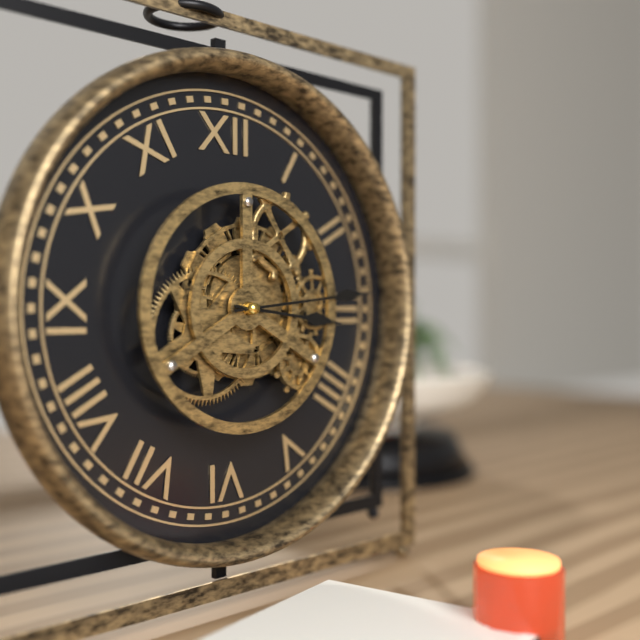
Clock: 3.14
